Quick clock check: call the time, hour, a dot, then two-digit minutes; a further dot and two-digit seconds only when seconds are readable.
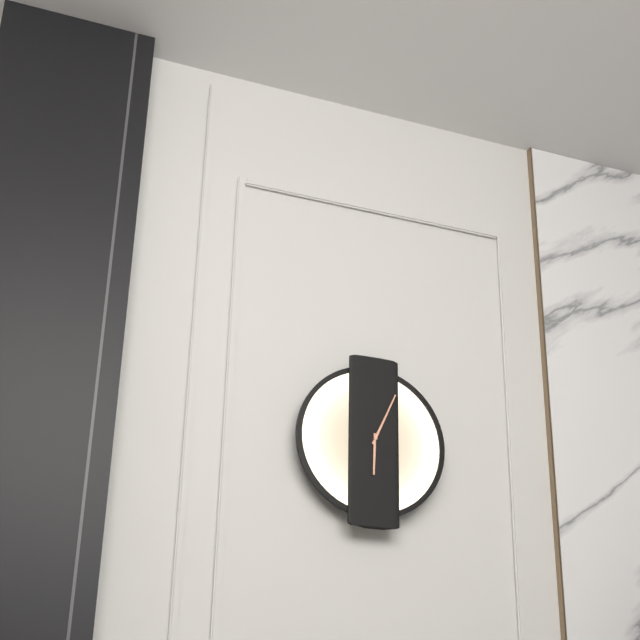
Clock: 6.04
